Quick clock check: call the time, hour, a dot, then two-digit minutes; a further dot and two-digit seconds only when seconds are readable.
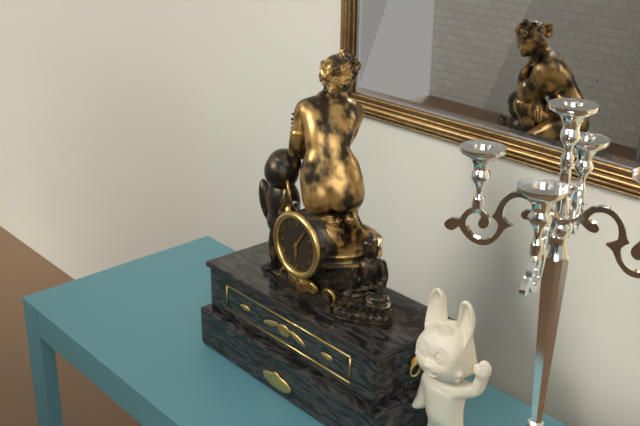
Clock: 6.06
